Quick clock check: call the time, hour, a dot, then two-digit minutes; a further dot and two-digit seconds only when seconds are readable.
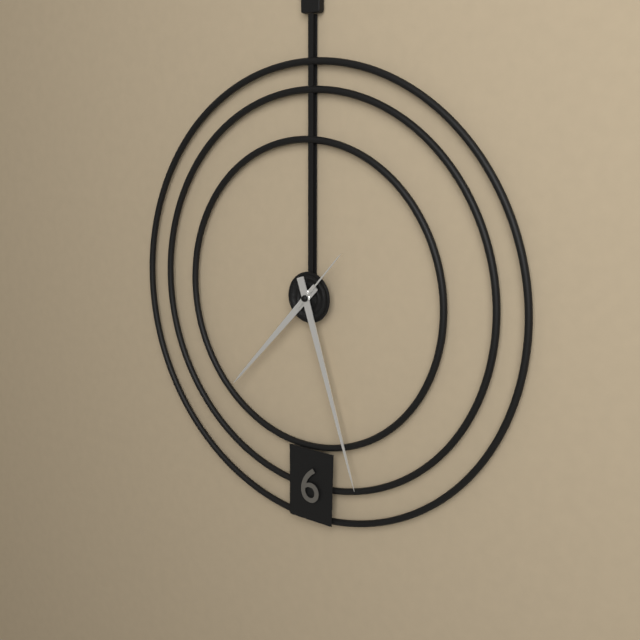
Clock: 7.27.07
